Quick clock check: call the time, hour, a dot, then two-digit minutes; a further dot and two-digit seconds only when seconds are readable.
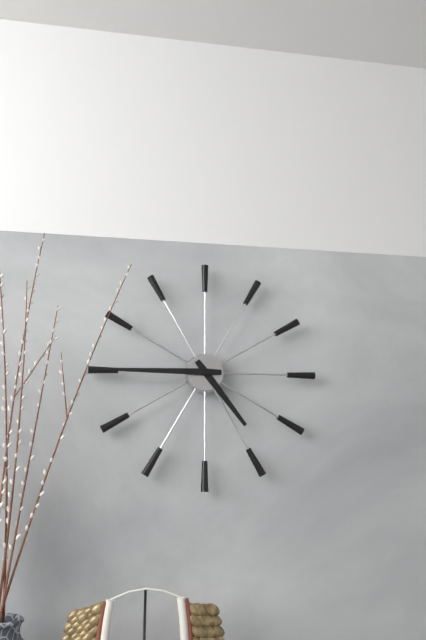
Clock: 4.45
